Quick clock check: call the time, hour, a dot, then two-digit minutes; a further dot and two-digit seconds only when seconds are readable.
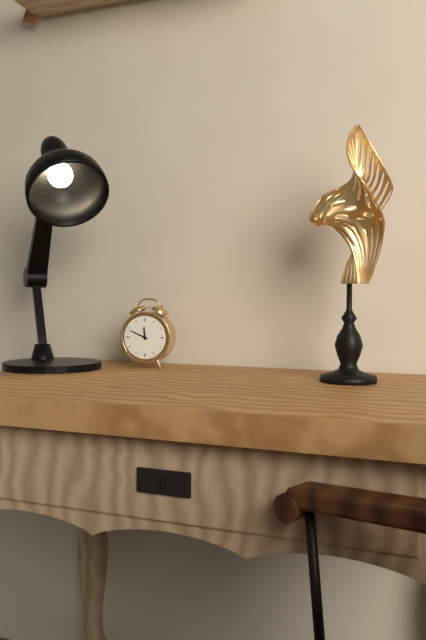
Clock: 11.49
